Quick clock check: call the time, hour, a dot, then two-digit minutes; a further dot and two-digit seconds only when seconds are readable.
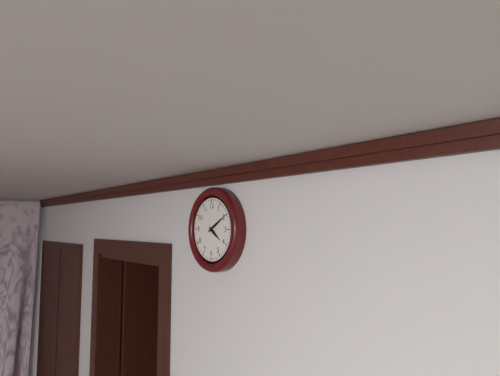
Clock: 4.10
